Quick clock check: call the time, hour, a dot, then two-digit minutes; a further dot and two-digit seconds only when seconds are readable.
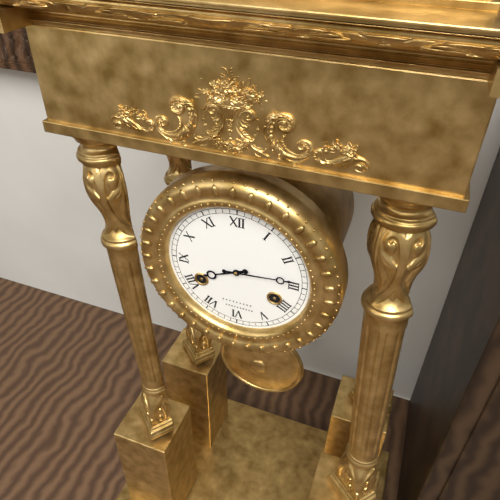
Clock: 8.14
